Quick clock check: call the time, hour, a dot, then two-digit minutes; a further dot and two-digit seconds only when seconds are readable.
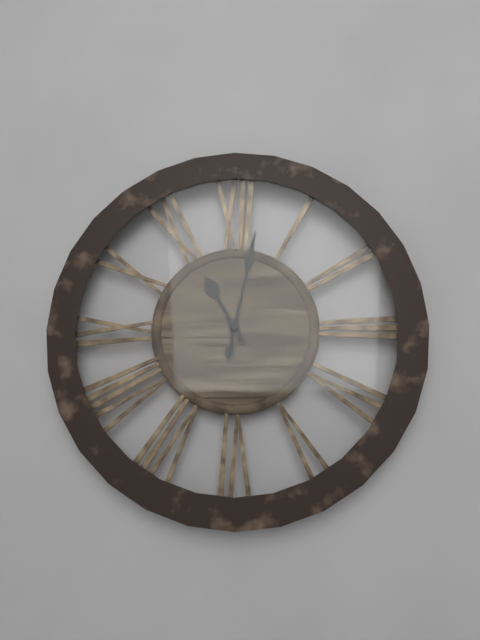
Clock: 11.02
